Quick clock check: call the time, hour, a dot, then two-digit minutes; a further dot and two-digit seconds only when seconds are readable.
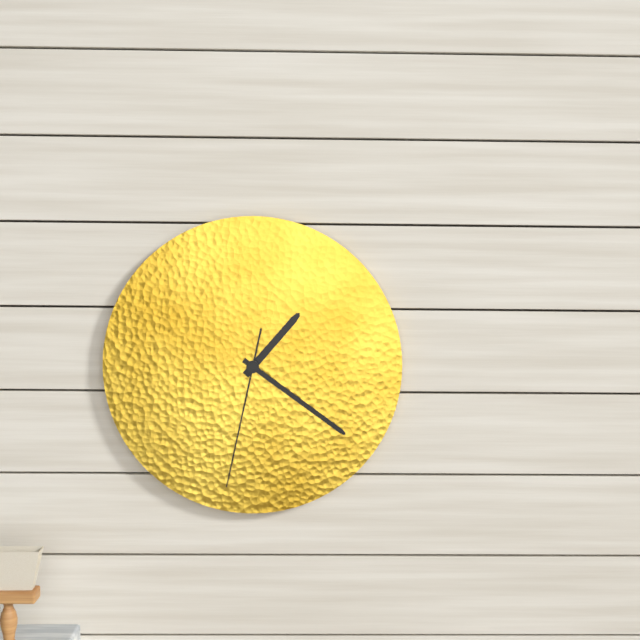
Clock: 1.21.32
